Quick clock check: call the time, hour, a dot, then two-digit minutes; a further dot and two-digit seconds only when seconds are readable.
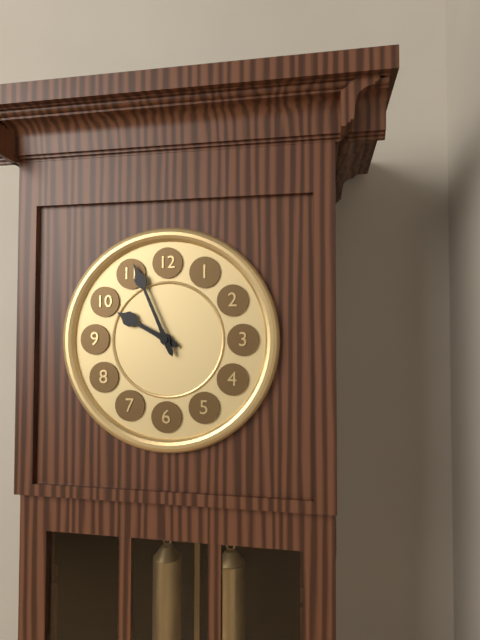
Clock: 9.56
